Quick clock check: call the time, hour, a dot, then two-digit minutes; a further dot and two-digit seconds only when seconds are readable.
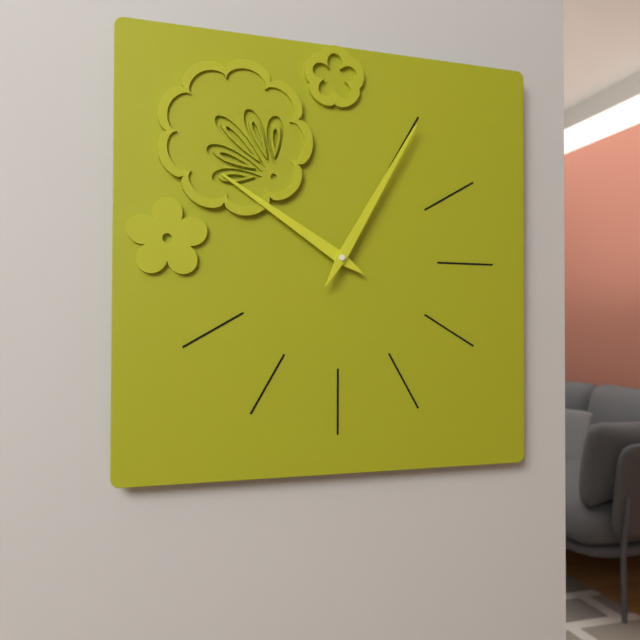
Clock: 10.05
